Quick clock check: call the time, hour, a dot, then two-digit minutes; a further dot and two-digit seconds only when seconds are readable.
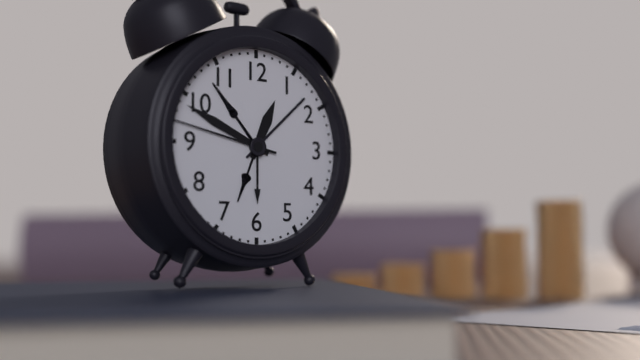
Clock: 12.49.47
